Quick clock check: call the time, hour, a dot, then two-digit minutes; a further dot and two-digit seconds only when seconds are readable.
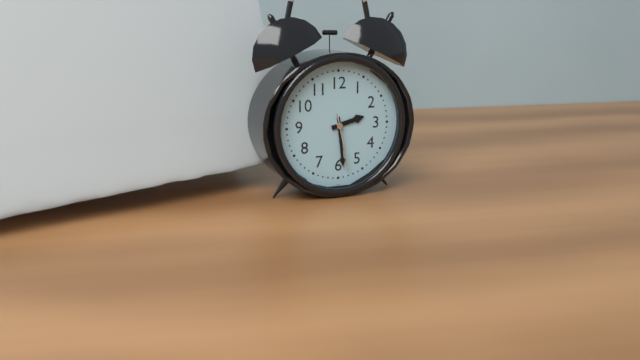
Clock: 2.29.28
